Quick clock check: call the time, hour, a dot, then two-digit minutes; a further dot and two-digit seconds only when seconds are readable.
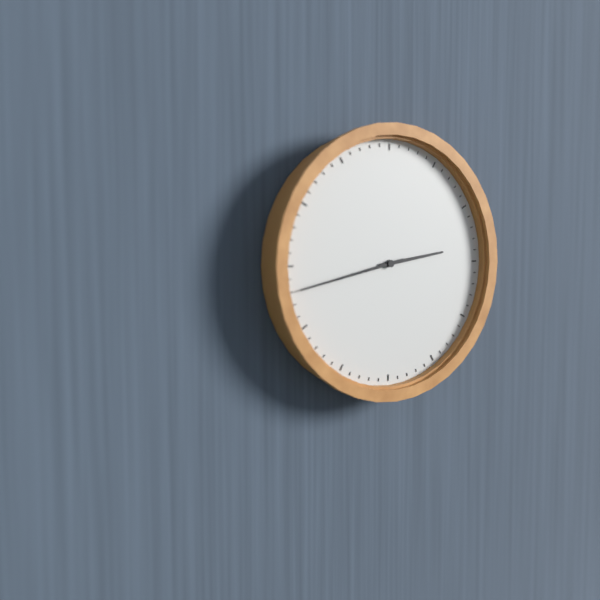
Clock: 2.43
